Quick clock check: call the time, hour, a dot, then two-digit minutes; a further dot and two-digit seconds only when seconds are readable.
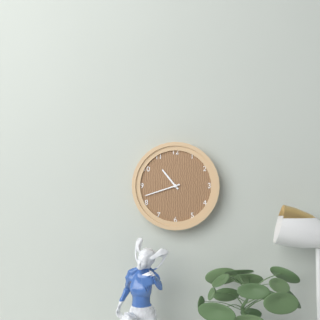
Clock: 10.42
